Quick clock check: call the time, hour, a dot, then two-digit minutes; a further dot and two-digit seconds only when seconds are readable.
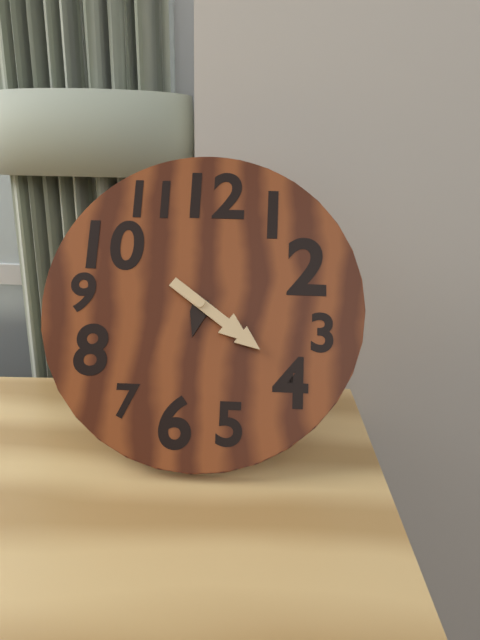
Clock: 6.21
